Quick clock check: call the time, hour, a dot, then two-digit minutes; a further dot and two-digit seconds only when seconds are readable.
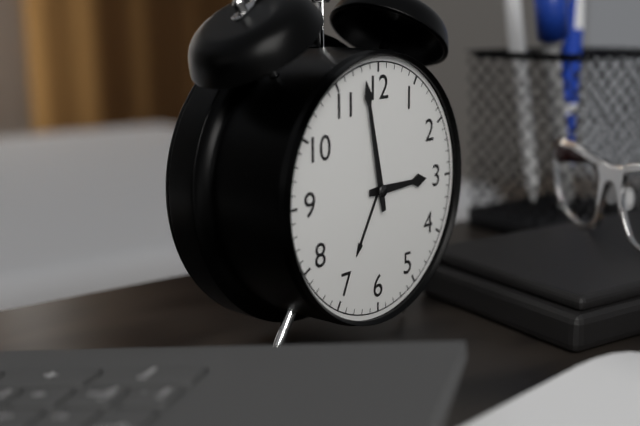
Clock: 2.58
